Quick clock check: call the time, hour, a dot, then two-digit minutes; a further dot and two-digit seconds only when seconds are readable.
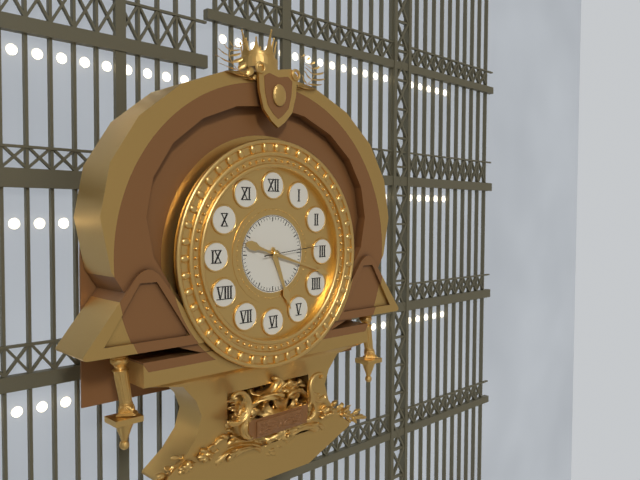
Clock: 5.18.14
